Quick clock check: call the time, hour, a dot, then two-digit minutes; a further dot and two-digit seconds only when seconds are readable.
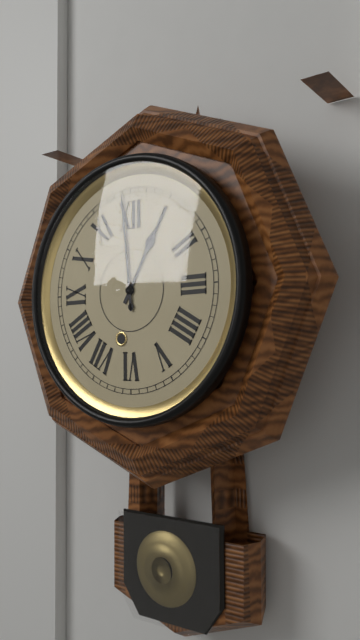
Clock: 12.59
